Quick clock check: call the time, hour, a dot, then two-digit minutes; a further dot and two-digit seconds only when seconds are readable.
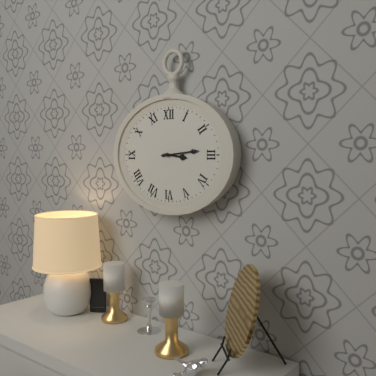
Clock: 3.14
